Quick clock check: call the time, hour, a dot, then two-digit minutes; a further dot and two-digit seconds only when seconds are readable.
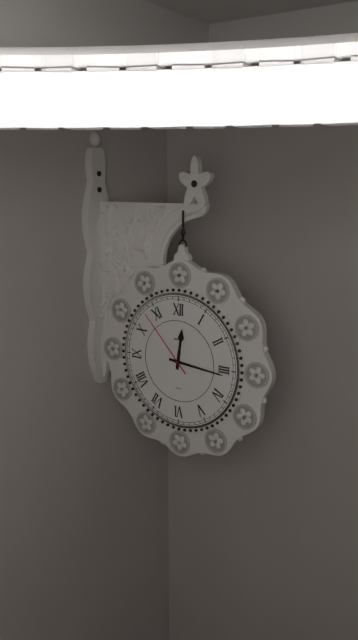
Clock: 12.16.53
